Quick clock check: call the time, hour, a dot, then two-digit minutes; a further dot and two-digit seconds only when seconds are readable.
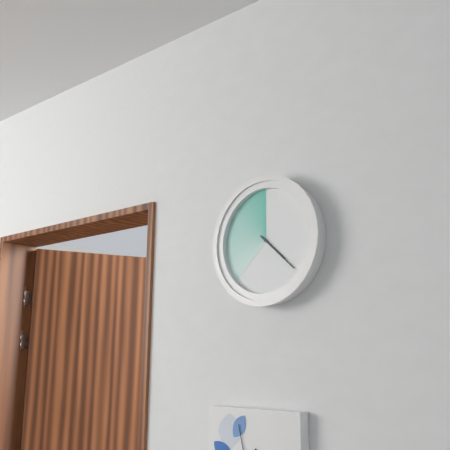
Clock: 4.22
